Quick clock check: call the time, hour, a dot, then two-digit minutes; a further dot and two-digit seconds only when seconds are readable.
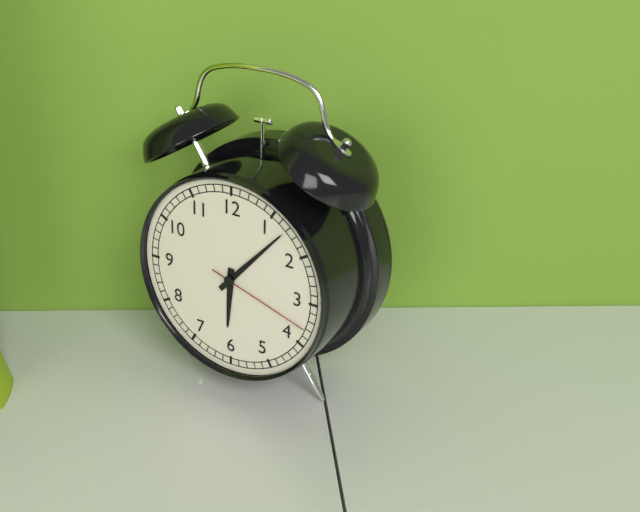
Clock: 6.07.18
